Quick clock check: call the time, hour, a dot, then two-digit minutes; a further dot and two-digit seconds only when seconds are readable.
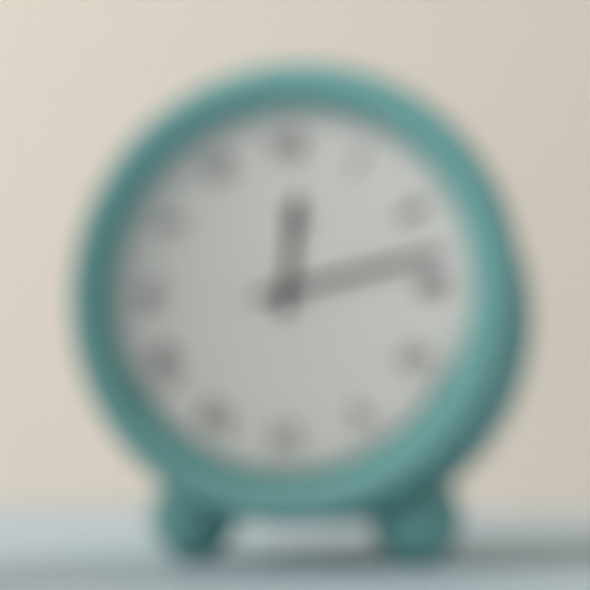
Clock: 12.13
